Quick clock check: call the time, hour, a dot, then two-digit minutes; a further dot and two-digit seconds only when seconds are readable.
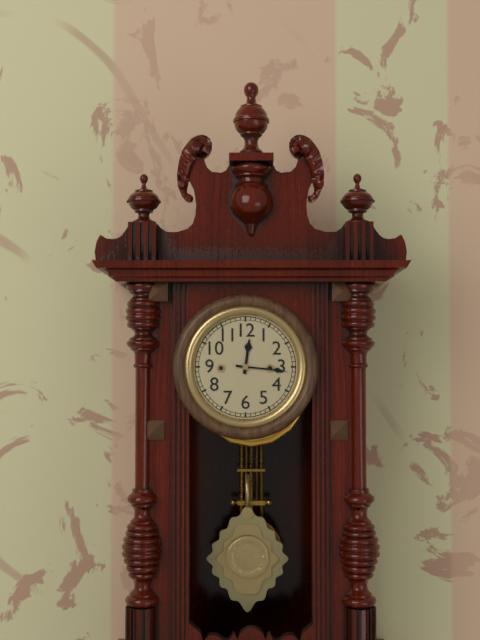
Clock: 12.16
